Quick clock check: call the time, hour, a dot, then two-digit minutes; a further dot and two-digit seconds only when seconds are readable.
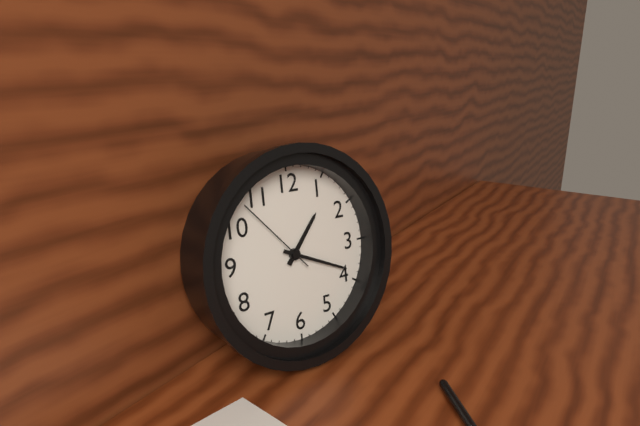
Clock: 1.19.53
